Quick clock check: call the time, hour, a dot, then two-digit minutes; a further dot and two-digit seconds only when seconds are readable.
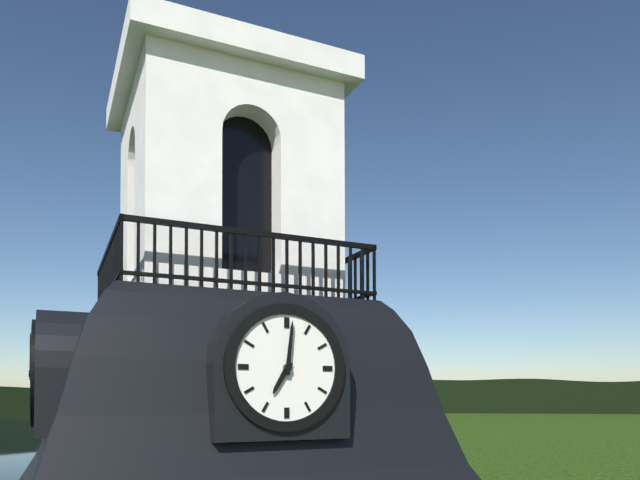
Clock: 7.01
